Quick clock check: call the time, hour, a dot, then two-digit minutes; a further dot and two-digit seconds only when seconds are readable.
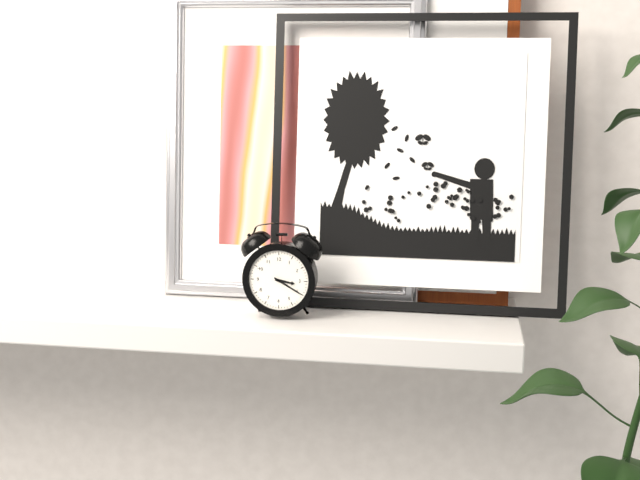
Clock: 3.20
